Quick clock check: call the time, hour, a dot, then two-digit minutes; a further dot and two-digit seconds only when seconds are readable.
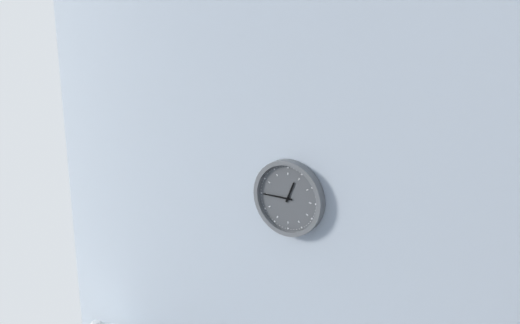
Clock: 12.45
